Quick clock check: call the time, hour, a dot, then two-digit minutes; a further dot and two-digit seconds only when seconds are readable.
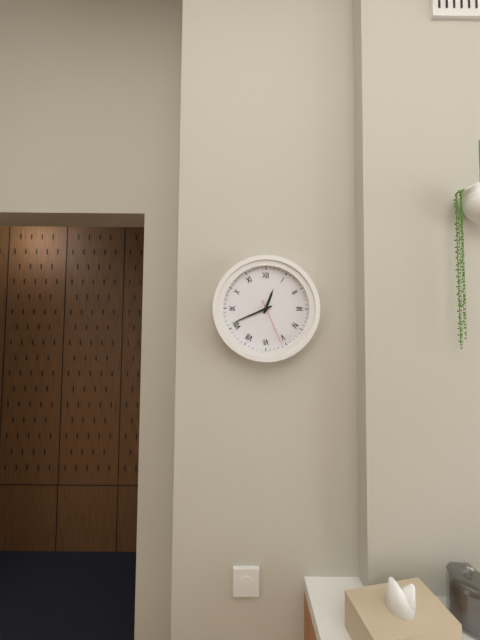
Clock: 12.41
